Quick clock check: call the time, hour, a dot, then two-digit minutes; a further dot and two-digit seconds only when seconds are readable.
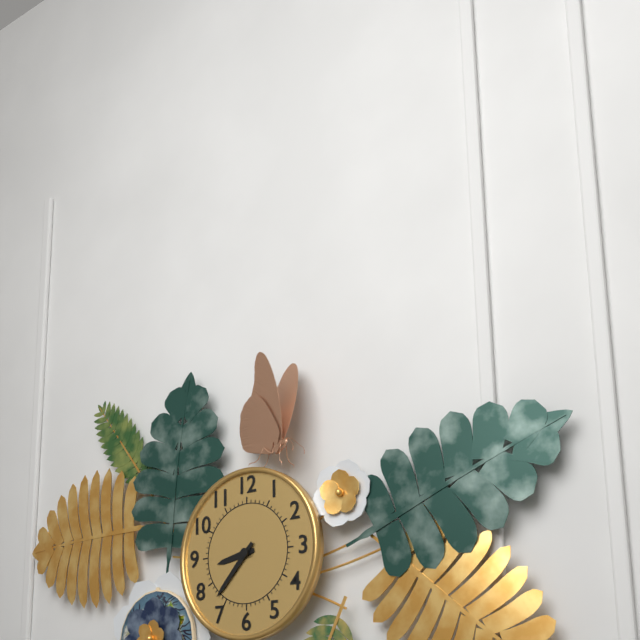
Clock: 8.37
